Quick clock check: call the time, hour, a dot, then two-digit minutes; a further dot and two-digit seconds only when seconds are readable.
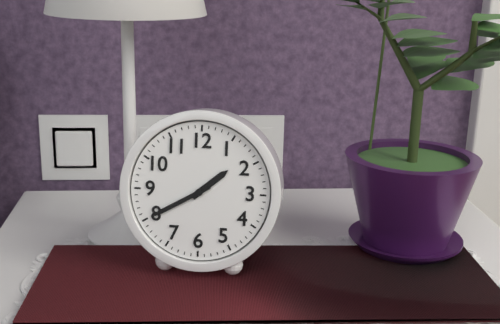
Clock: 1.40
